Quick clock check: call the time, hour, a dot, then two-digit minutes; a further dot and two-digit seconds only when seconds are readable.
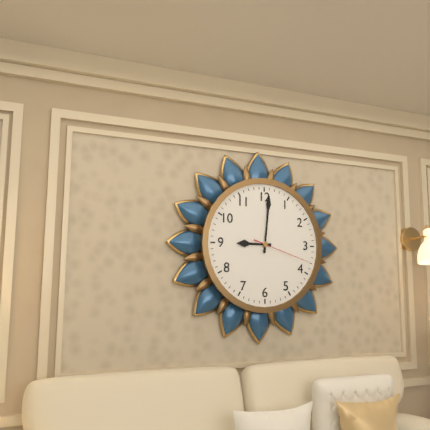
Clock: 9.01.18
